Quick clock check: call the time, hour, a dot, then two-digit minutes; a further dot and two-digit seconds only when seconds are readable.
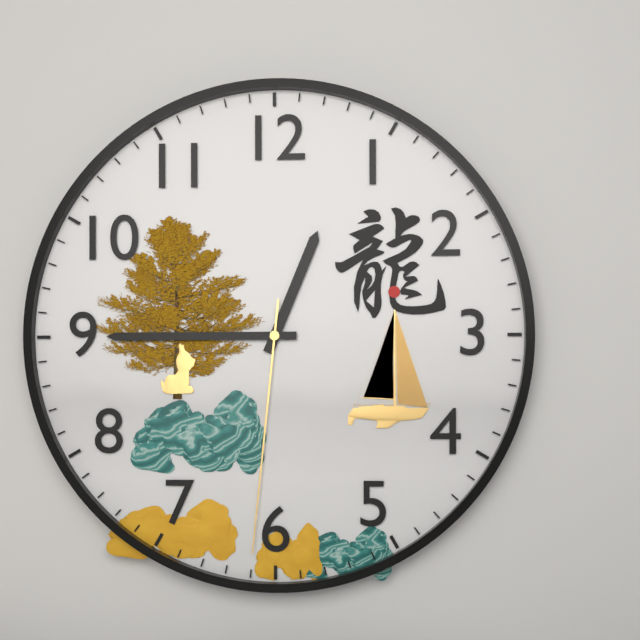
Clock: 12.45.31
